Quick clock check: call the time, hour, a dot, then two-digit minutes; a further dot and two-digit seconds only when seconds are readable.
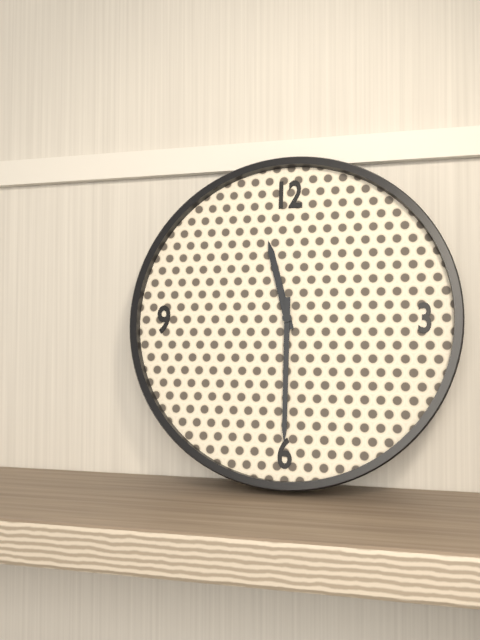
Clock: 11.30
